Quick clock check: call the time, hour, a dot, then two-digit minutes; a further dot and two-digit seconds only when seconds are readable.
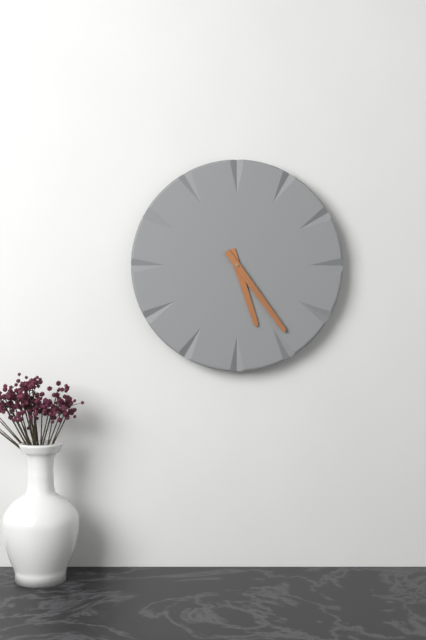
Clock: 5.24
